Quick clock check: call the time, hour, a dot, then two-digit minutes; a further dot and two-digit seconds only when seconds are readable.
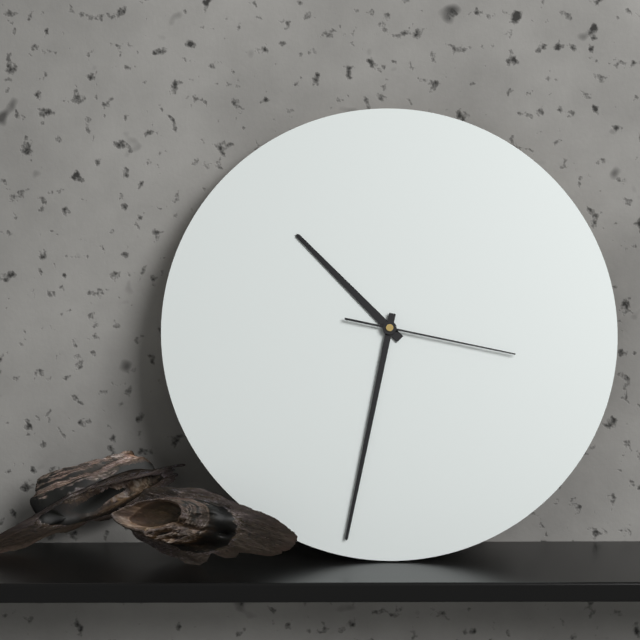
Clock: 10.32.17
